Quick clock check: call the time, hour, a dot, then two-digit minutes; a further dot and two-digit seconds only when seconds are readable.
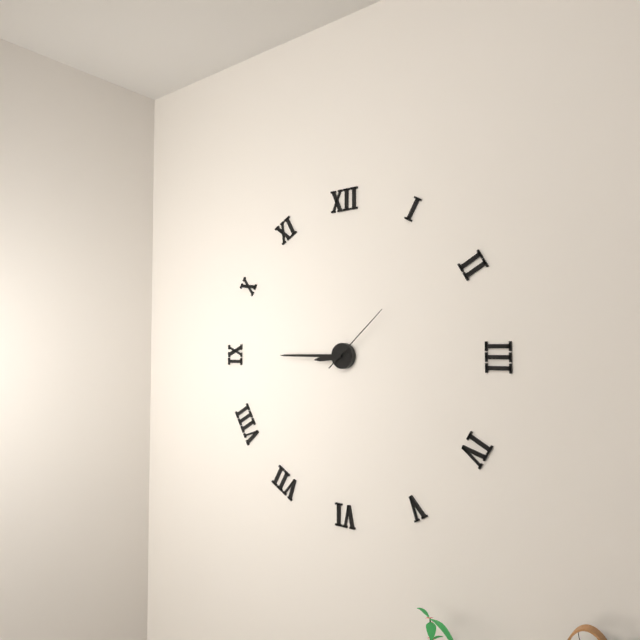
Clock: 8.45.08
